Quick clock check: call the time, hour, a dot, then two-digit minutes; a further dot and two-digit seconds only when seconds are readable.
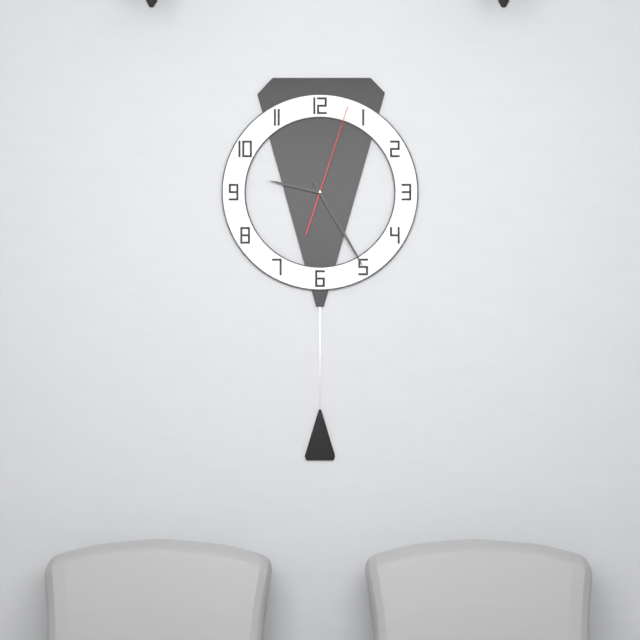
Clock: 9.25.03
